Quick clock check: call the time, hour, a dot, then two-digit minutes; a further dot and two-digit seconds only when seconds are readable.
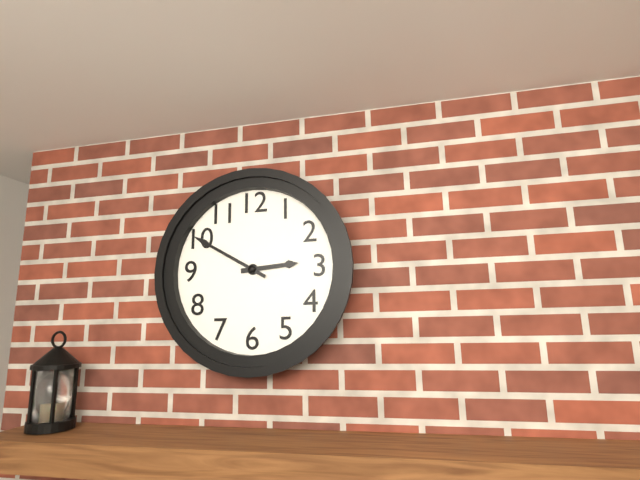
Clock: 2.50
